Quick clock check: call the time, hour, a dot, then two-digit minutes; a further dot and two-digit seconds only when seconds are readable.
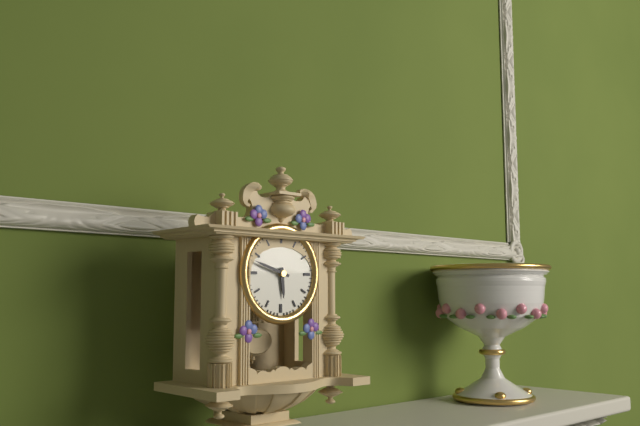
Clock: 5.48
